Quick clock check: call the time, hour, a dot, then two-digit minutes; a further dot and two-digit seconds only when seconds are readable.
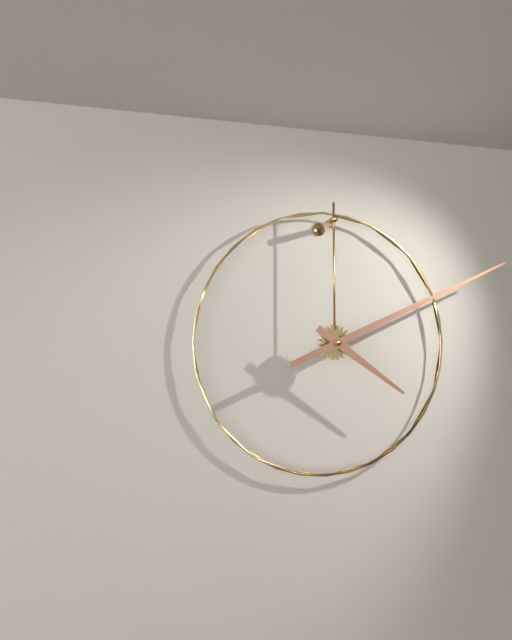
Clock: 4.11
